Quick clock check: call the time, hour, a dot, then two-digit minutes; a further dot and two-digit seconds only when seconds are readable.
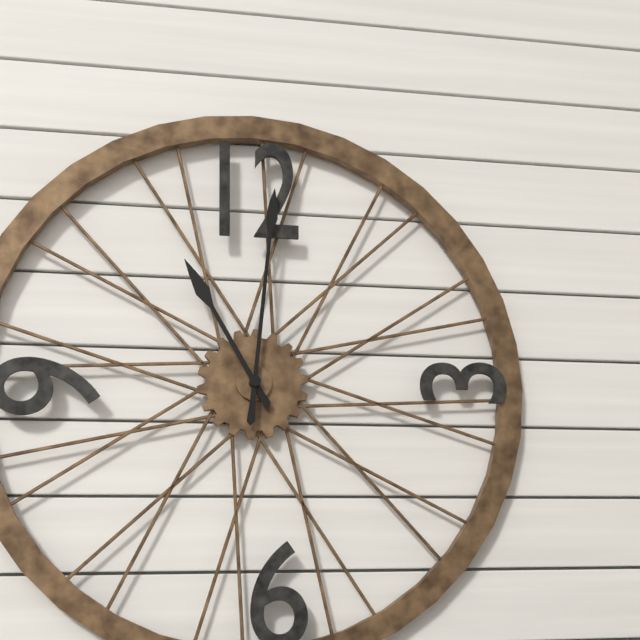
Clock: 11.01
